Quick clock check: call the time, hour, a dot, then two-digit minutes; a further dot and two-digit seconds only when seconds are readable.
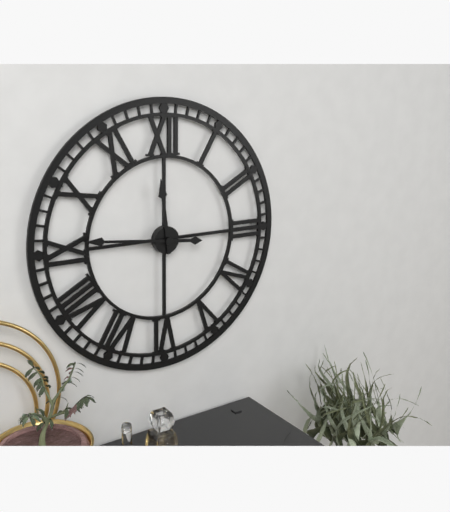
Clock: 11.46
